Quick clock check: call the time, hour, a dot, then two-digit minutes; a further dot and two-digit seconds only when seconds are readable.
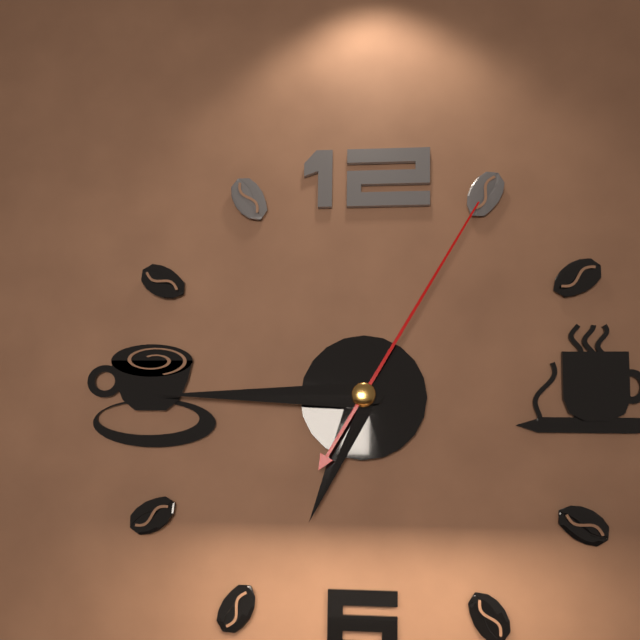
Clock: 6.45.05
